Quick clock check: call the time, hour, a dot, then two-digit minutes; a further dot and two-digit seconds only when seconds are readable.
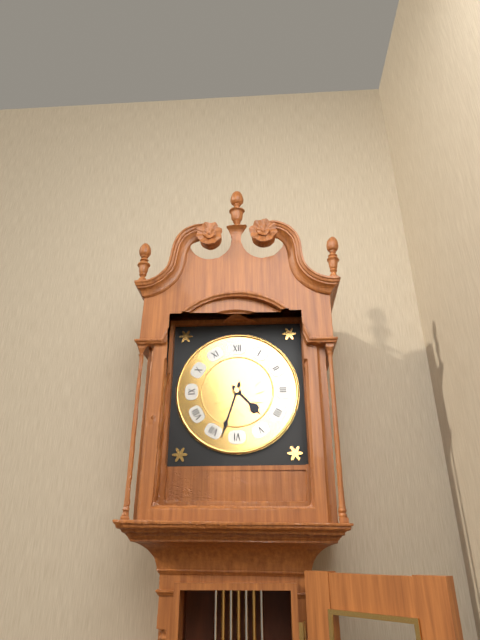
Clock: 4.33
